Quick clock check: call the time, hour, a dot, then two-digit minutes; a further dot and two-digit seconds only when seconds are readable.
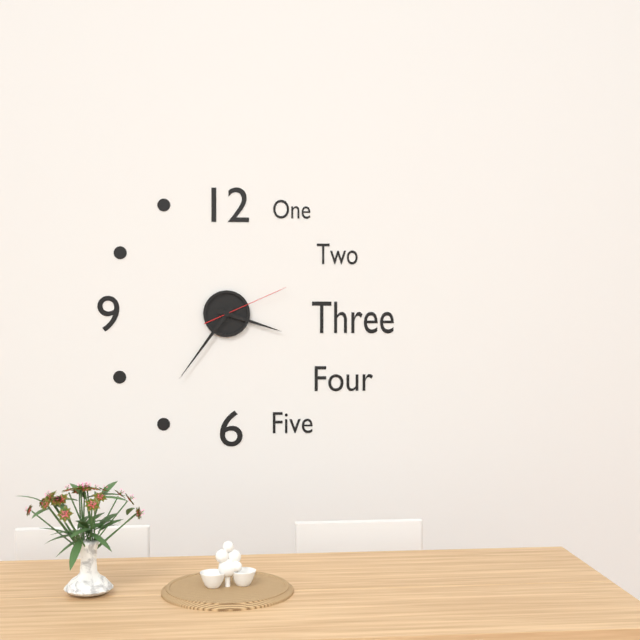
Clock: 3.36.11
